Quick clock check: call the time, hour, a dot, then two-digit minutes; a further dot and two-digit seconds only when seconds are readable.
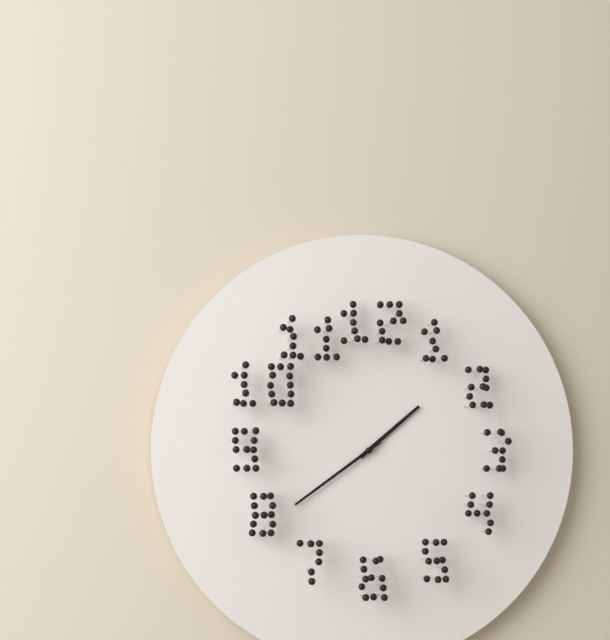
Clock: 1.39
